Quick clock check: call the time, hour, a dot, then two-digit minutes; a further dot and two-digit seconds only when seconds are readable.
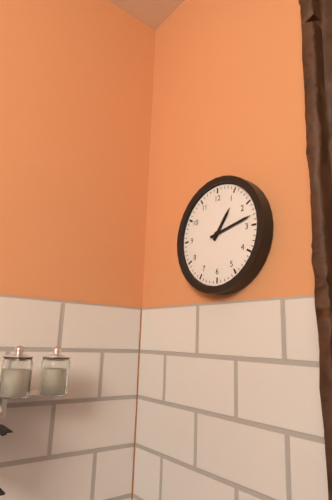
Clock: 1.13
